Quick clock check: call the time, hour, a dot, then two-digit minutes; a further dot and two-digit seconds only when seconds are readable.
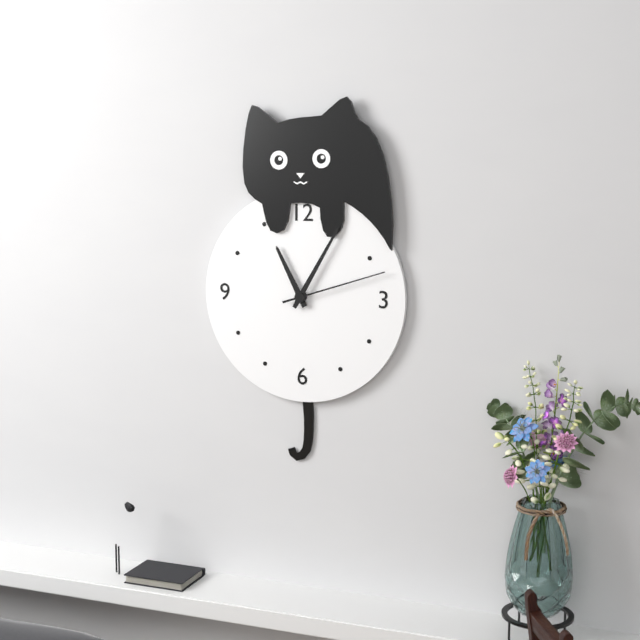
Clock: 11.05.12
